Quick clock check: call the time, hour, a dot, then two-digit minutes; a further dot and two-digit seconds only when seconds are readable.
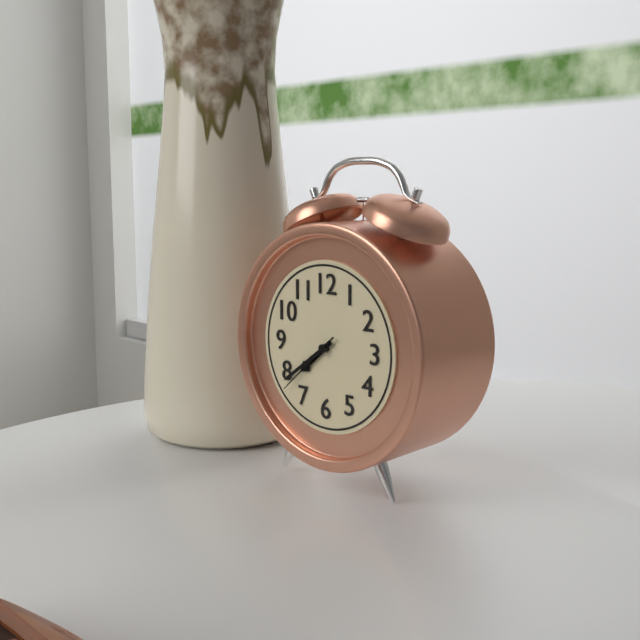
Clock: 7.39.38
